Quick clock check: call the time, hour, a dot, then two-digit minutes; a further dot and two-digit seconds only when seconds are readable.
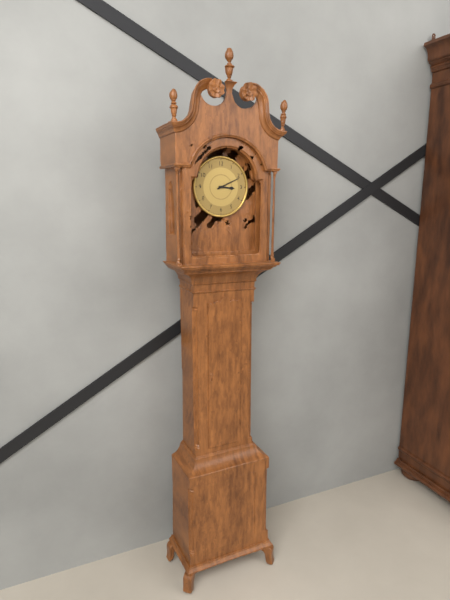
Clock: 3.11
